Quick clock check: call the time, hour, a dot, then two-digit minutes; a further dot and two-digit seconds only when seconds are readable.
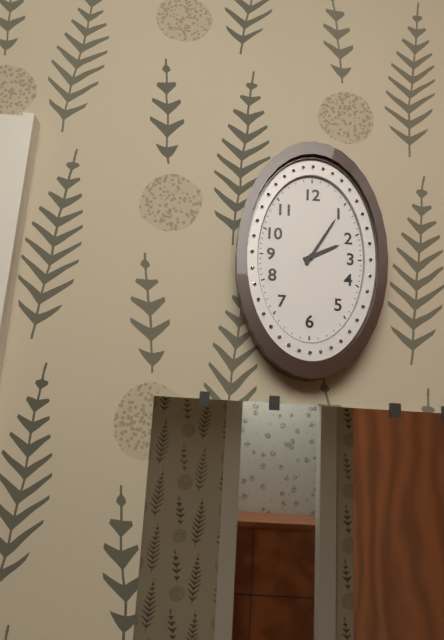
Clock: 2.05
